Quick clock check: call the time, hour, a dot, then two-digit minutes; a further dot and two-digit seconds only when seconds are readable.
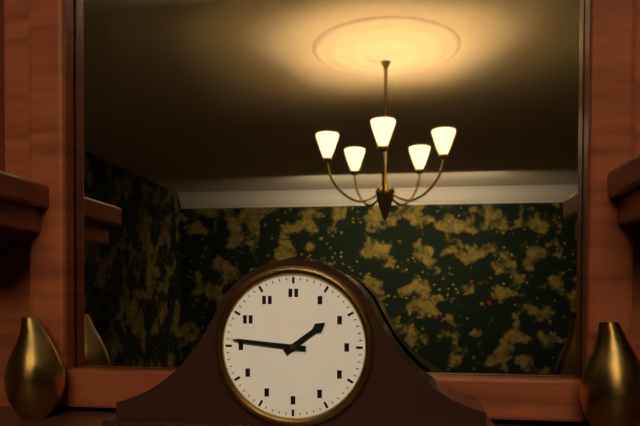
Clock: 1.46
